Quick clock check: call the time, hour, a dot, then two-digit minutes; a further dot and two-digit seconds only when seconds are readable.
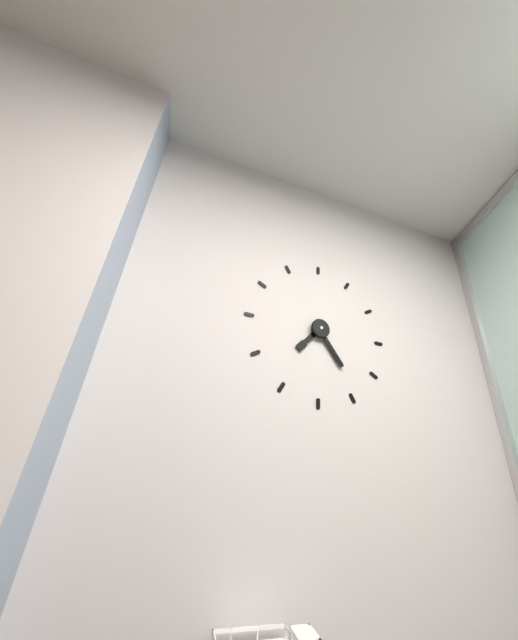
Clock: 7.24
